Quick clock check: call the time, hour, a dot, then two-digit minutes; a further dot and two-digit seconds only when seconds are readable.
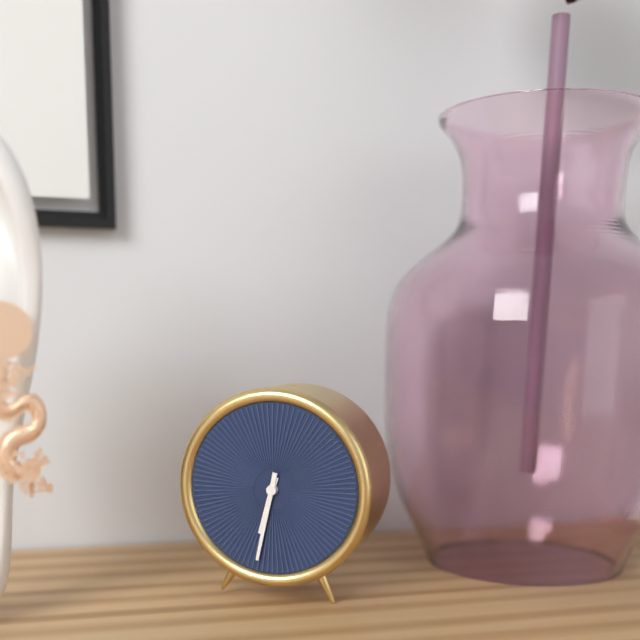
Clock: 6.32
